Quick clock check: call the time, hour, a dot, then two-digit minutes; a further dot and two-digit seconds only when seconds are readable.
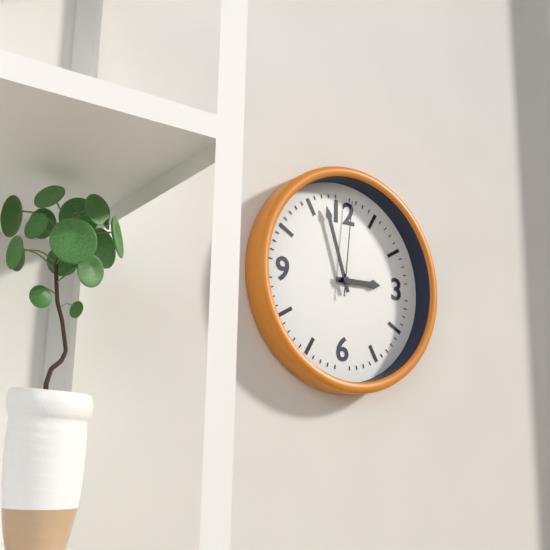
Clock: 2.57.01
